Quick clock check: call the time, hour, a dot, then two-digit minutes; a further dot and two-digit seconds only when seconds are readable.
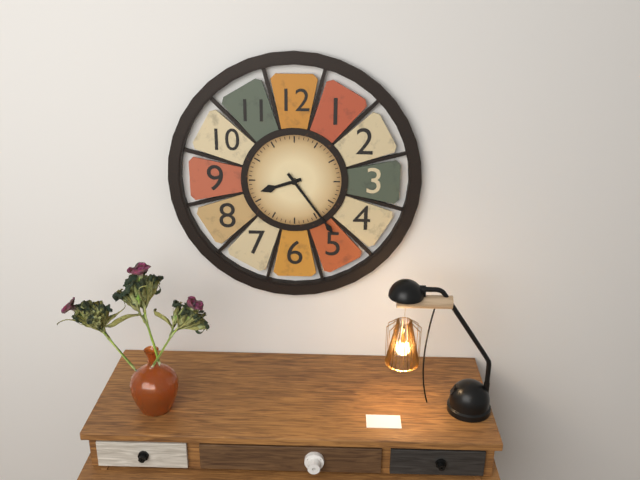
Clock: 8.24
